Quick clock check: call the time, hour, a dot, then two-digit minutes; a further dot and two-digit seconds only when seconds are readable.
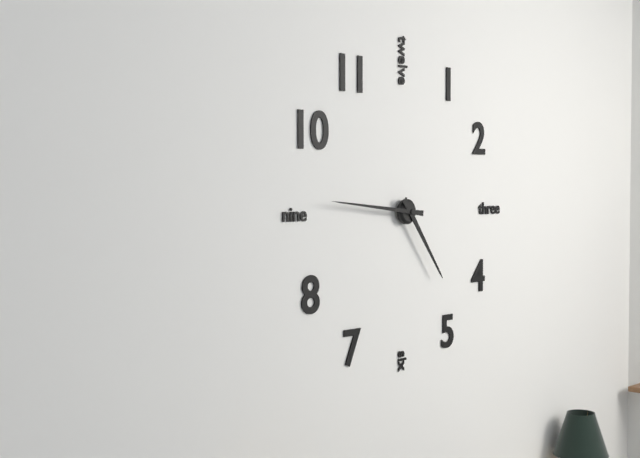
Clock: 4.46
